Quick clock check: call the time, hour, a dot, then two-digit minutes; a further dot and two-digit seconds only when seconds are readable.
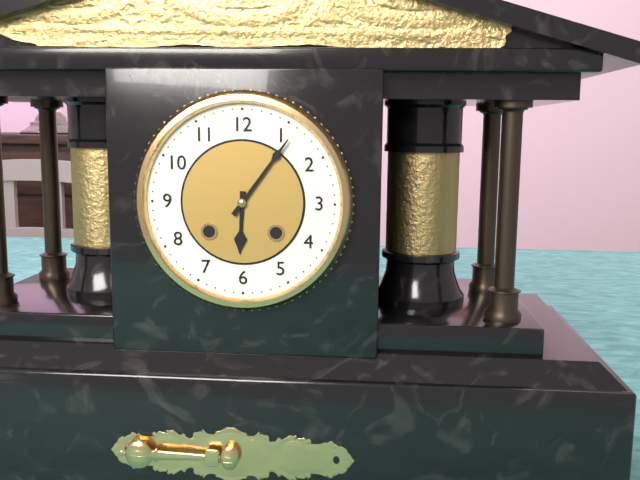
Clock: 6.06
